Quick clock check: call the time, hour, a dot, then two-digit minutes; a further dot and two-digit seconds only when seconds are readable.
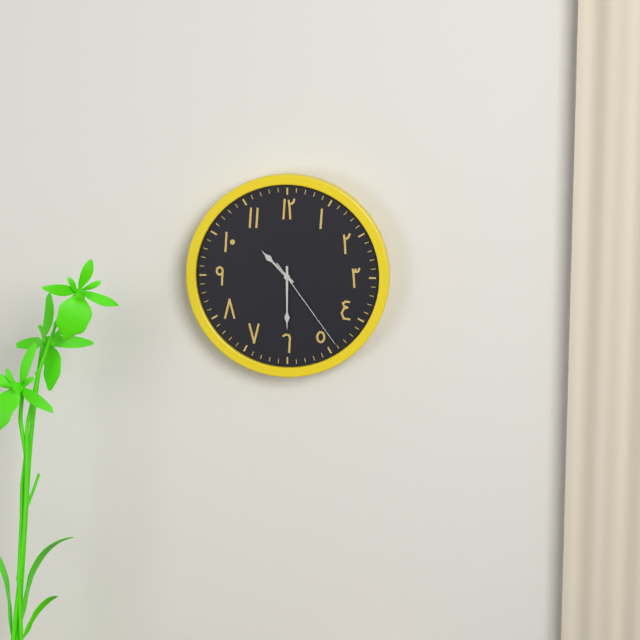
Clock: 10.30.24
